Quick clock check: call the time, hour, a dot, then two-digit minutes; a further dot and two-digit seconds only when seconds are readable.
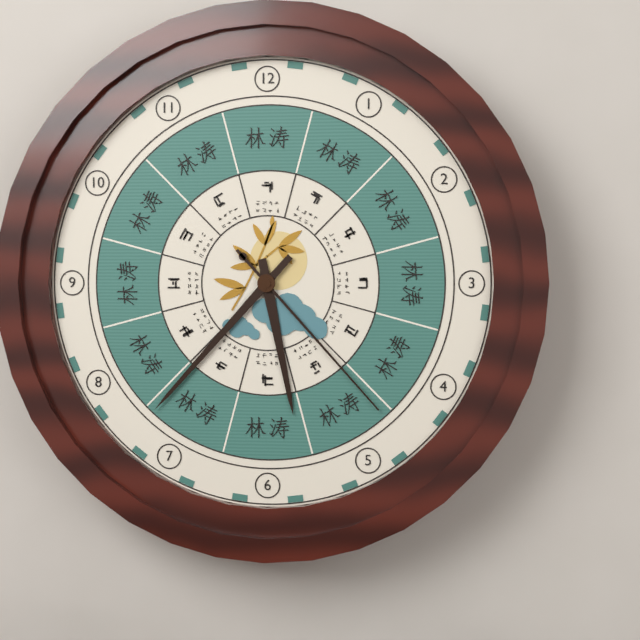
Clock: 5.37.23
